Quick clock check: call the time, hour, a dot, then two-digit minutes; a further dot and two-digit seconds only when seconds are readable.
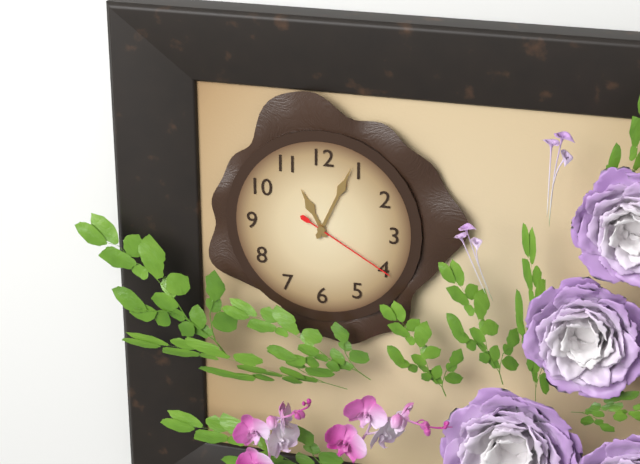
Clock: 11.04.20
